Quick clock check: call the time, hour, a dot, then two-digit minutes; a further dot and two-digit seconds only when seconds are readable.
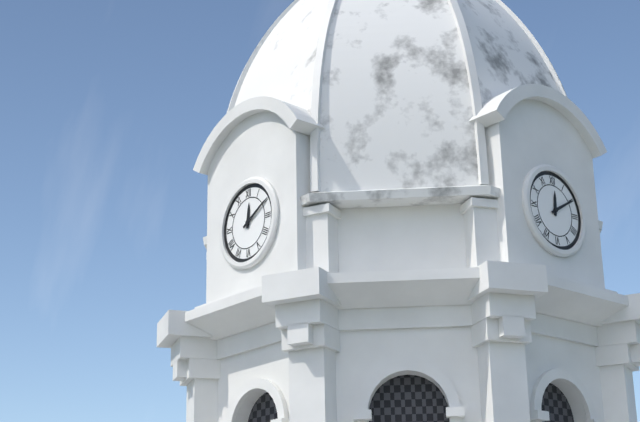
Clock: 12.10
